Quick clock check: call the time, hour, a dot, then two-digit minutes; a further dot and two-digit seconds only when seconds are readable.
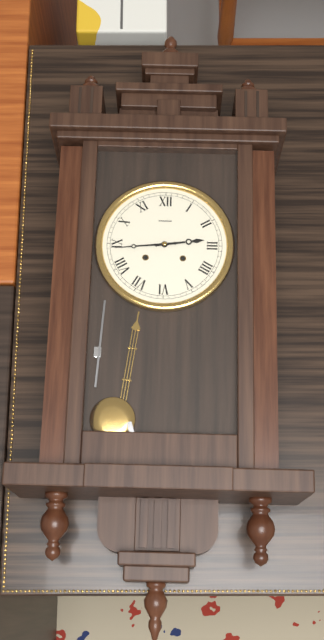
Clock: 2.44
